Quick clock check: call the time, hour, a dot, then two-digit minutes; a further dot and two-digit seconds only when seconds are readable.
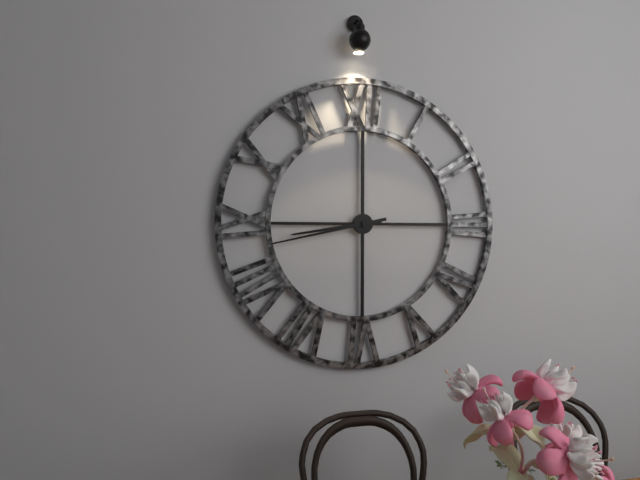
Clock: 8.43
